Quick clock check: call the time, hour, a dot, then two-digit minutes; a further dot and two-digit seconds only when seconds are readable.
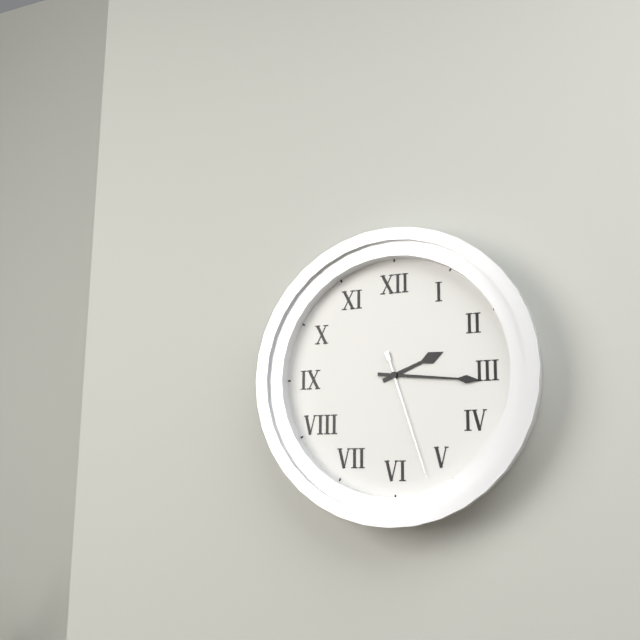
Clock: 2.16.27
